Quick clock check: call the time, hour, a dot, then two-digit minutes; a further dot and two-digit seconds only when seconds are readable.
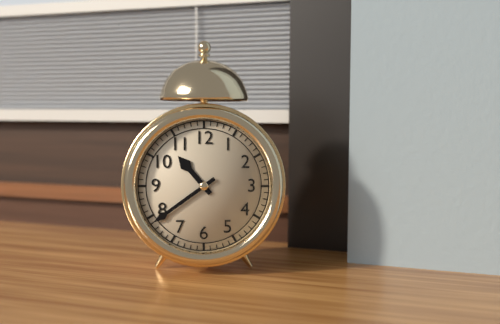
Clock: 10.39
